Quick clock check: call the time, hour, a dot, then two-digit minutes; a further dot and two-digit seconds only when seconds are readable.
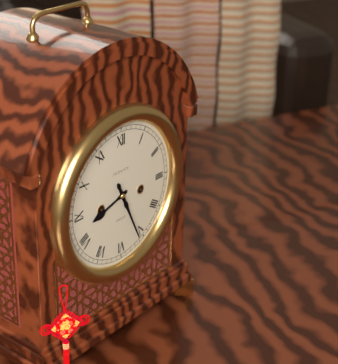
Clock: 8.26
